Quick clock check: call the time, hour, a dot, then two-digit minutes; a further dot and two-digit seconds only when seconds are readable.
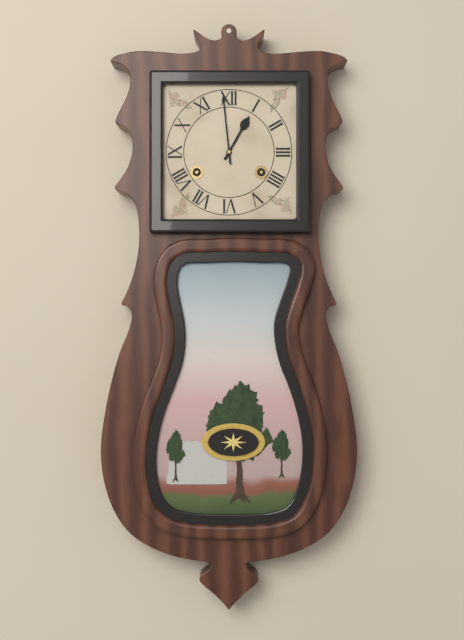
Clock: 12.59
